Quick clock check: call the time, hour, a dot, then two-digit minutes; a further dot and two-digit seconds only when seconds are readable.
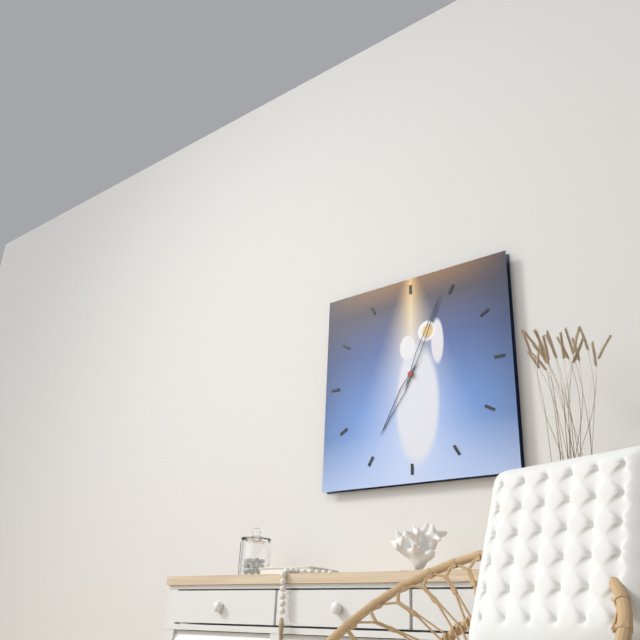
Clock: 7.04
